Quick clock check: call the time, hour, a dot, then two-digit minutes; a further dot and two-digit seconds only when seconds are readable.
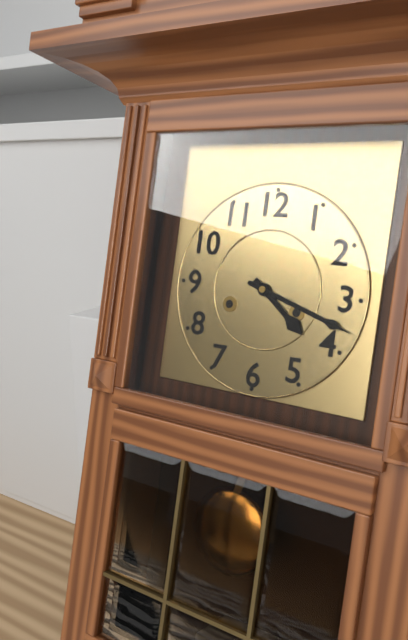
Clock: 4.18
